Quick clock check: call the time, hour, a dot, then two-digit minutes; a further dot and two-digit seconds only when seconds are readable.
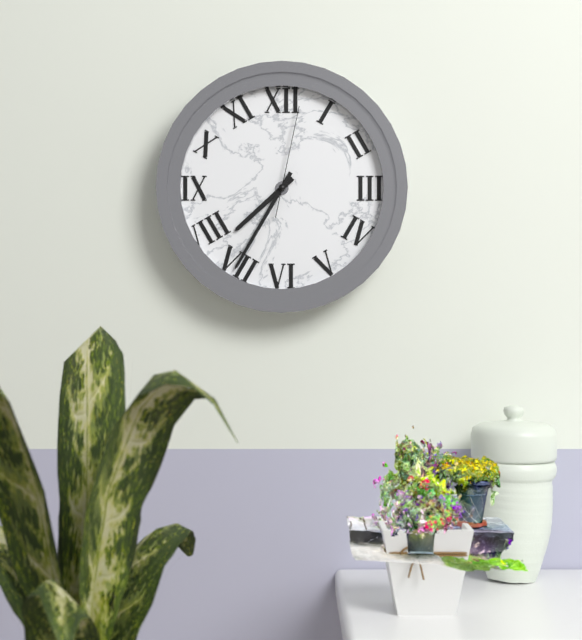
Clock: 7.35.02
